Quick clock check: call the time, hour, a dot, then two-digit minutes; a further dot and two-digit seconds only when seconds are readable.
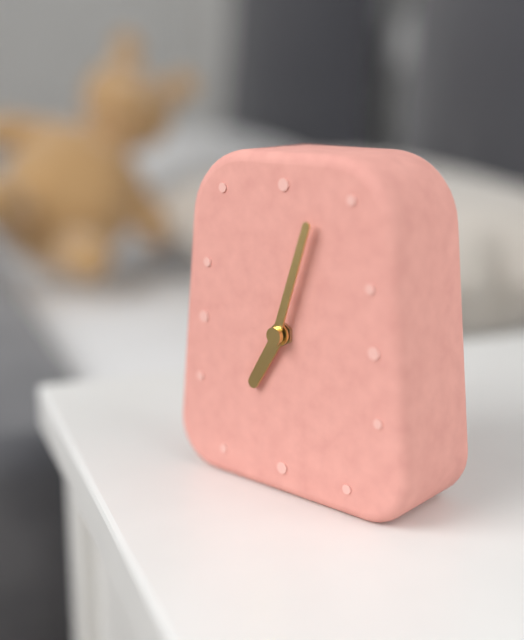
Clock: 7.03
